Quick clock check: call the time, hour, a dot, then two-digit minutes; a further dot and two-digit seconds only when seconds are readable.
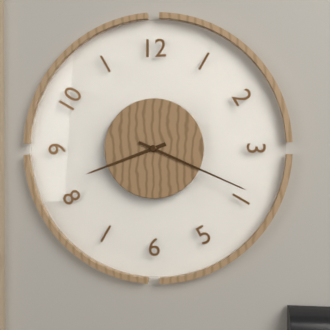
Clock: 8.19
